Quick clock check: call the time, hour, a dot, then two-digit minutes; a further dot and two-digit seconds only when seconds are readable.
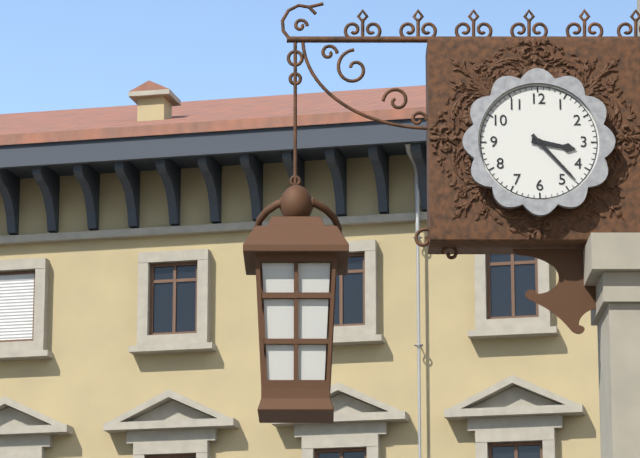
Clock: 3.23
